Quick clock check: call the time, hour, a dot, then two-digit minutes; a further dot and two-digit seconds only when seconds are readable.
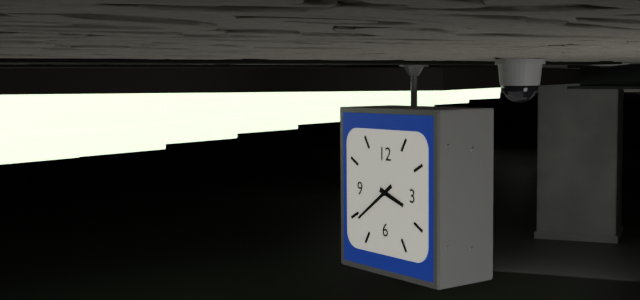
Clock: 3.39
